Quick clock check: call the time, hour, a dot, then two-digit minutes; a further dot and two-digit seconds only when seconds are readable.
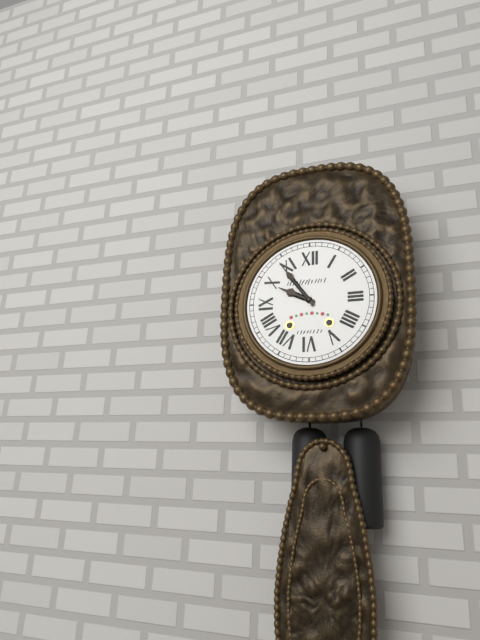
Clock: 9.54
